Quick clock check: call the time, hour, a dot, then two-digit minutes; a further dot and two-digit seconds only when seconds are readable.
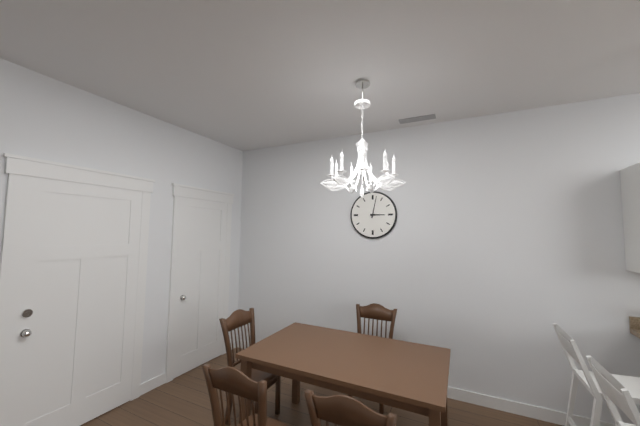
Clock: 3.02
